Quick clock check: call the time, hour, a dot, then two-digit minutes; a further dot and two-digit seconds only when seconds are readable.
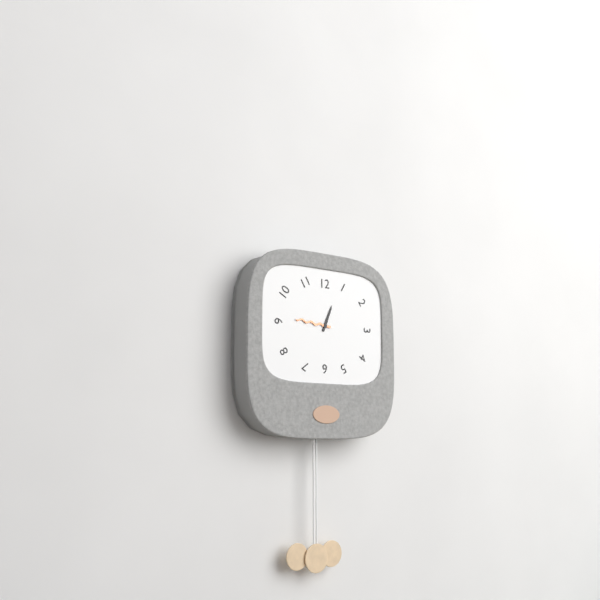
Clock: 12.46
